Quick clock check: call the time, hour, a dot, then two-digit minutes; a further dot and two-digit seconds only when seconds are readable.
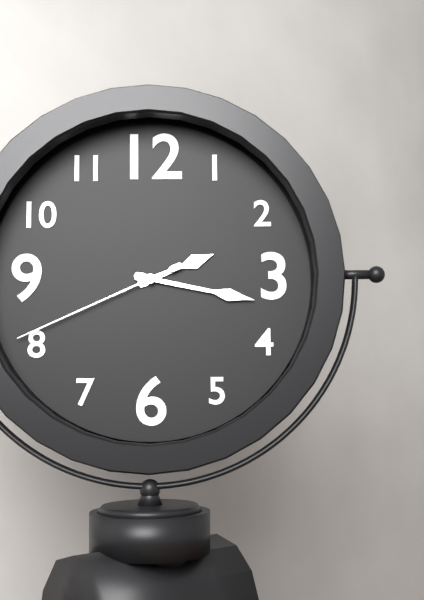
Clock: 2.17.41
